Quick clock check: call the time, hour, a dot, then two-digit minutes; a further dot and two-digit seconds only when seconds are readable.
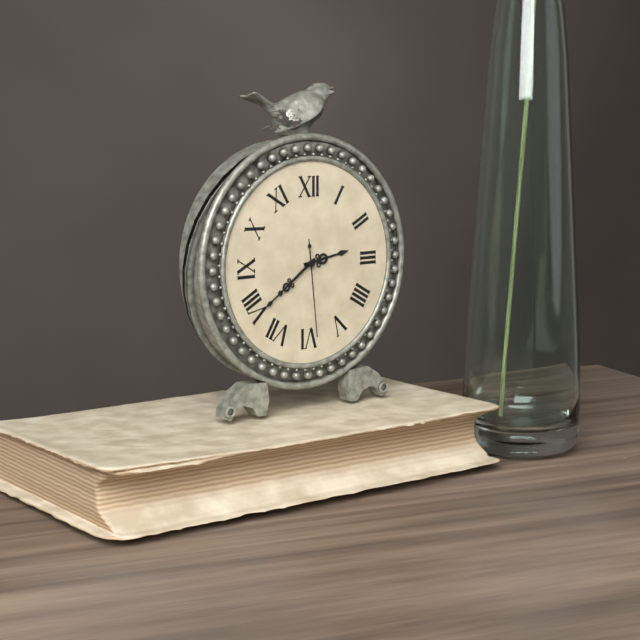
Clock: 2.39.29
